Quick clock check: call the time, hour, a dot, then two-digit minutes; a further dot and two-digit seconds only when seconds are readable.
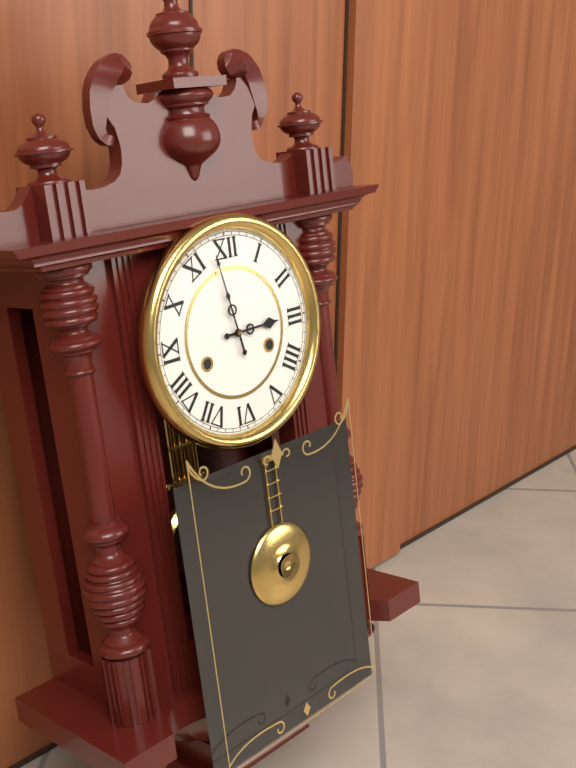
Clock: 2.58
